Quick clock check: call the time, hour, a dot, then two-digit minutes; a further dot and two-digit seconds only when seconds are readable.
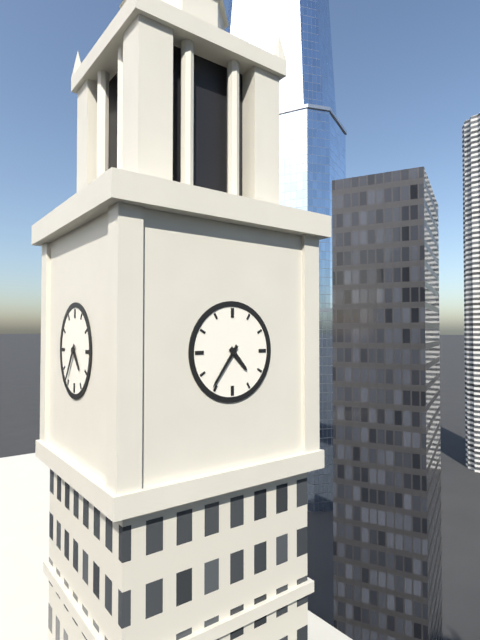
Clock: 4.36
